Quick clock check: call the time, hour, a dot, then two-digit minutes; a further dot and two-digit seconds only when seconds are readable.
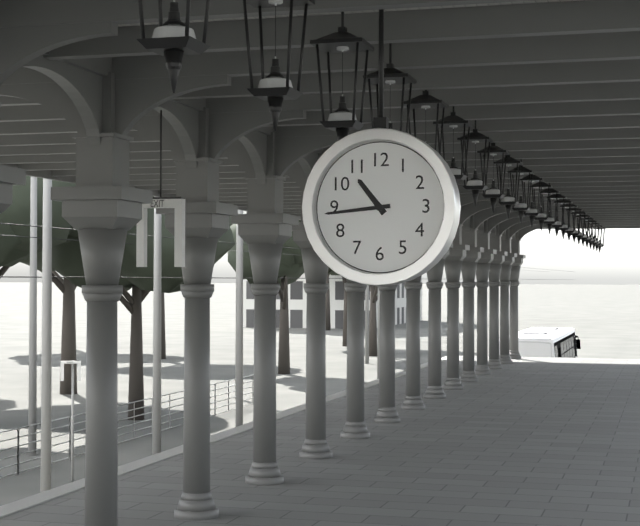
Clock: 10.44
